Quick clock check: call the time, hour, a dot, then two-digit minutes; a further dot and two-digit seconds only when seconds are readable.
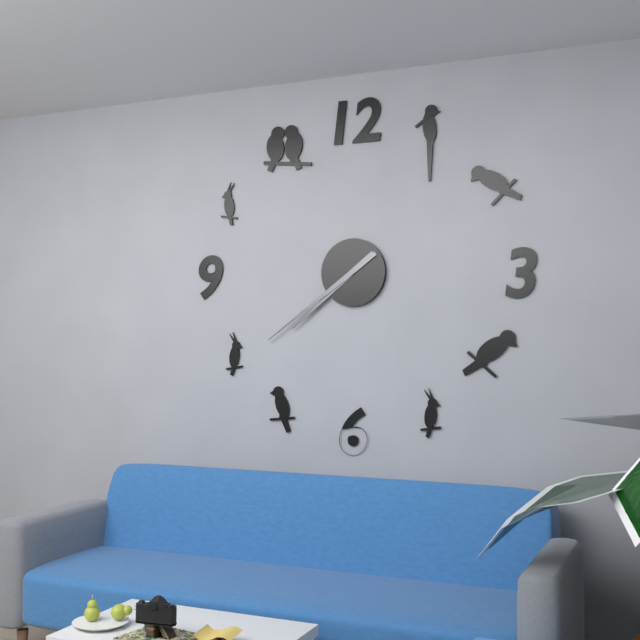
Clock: 7.39
